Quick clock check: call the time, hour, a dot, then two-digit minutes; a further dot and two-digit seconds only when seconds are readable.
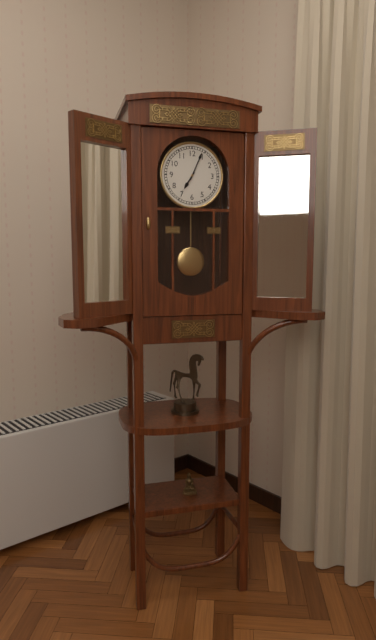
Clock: 7.04
